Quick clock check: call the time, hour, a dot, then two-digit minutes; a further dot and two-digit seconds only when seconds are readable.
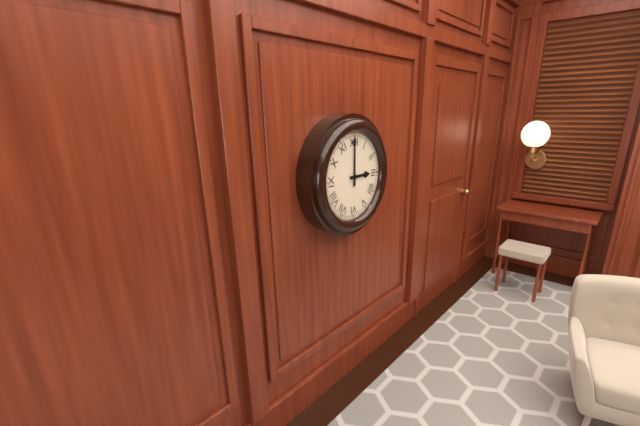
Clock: 3.00
